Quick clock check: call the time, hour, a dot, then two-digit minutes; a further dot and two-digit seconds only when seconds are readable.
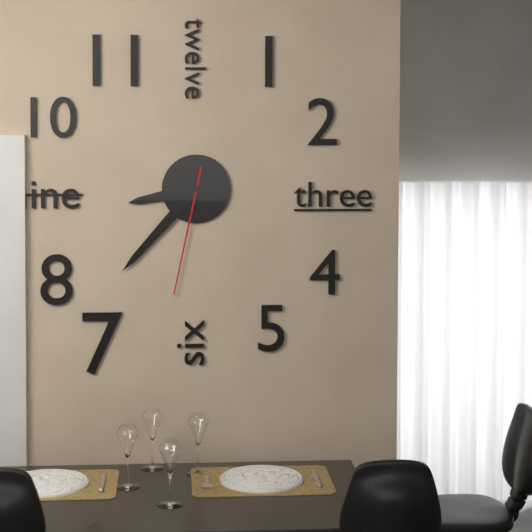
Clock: 8.37.32
